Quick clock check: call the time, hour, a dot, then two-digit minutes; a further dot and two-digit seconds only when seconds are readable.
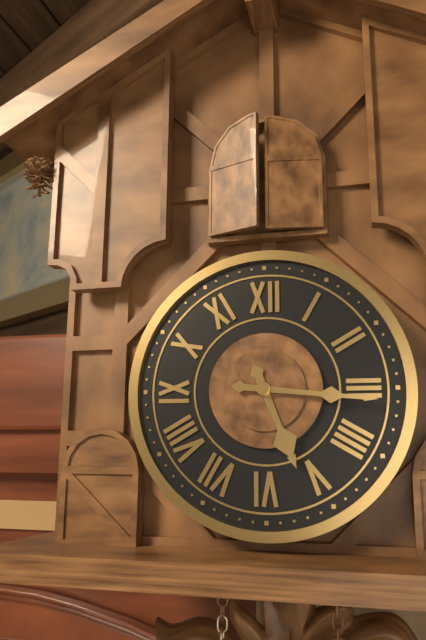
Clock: 5.16
